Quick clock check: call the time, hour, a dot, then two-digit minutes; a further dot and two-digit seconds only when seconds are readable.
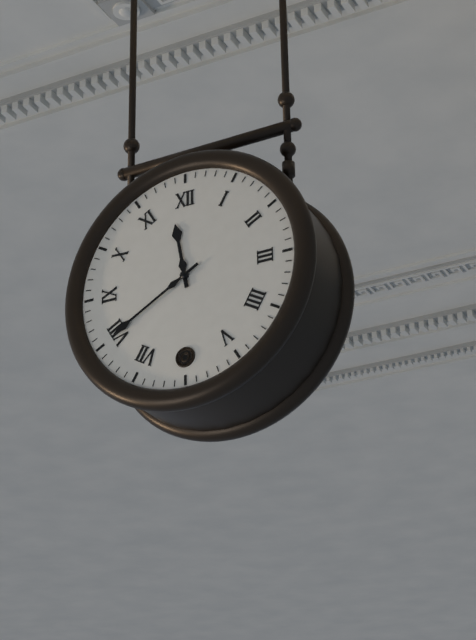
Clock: 11.40
